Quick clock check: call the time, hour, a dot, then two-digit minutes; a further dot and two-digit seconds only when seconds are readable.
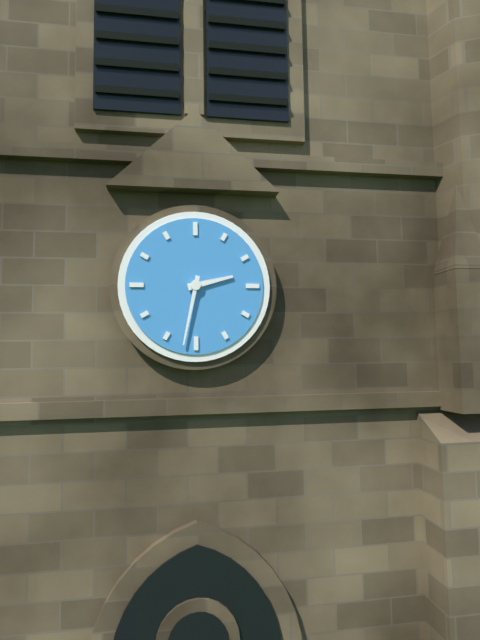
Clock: 2.32
